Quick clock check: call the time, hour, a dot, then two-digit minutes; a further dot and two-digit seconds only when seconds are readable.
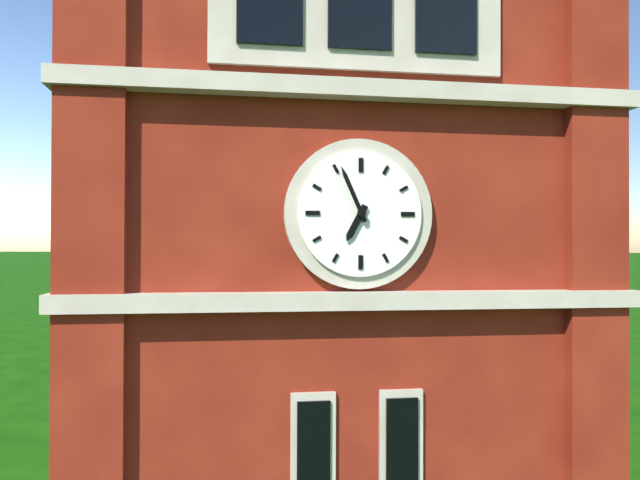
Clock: 6.56
